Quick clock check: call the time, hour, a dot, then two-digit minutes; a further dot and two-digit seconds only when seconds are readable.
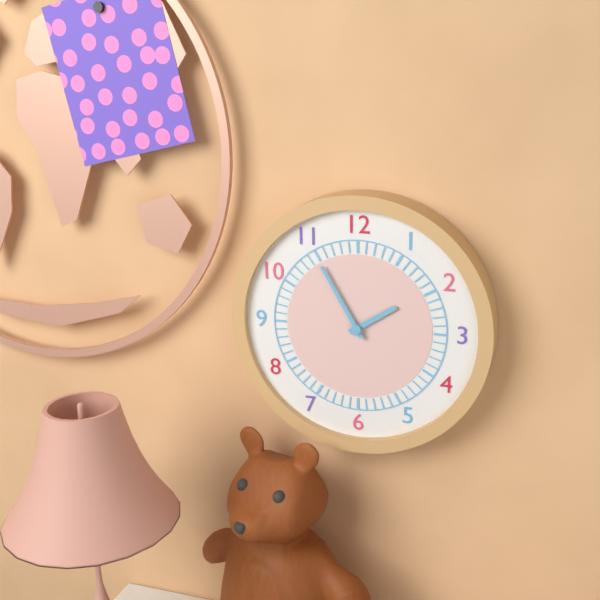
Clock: 1.55
